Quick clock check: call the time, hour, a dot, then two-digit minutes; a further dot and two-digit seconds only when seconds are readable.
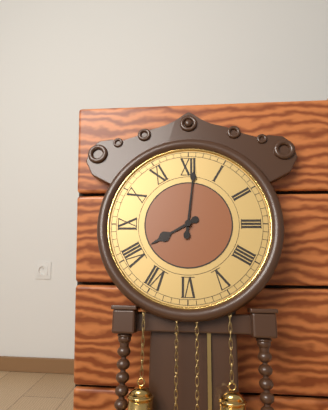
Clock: 8.01
